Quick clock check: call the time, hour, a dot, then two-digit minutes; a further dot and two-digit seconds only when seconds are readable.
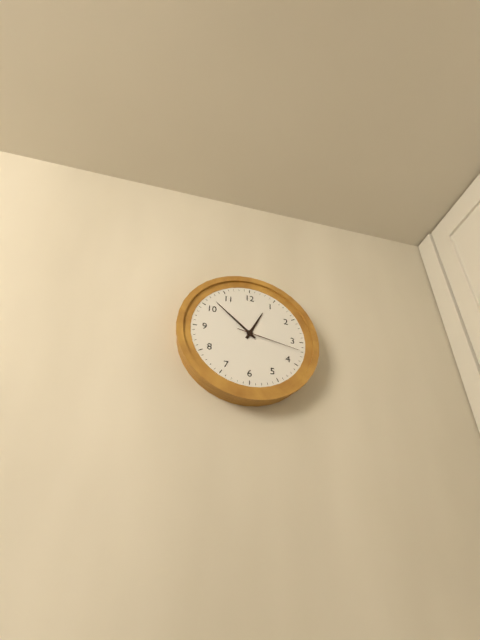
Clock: 12.52.17
